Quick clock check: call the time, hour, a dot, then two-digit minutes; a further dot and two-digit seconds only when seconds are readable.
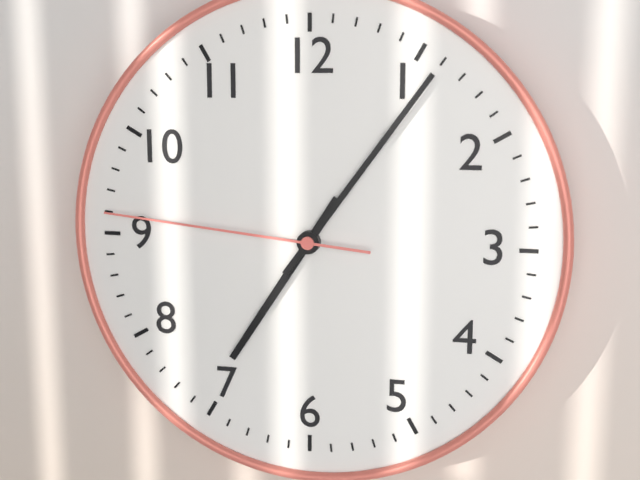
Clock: 7.06.46
